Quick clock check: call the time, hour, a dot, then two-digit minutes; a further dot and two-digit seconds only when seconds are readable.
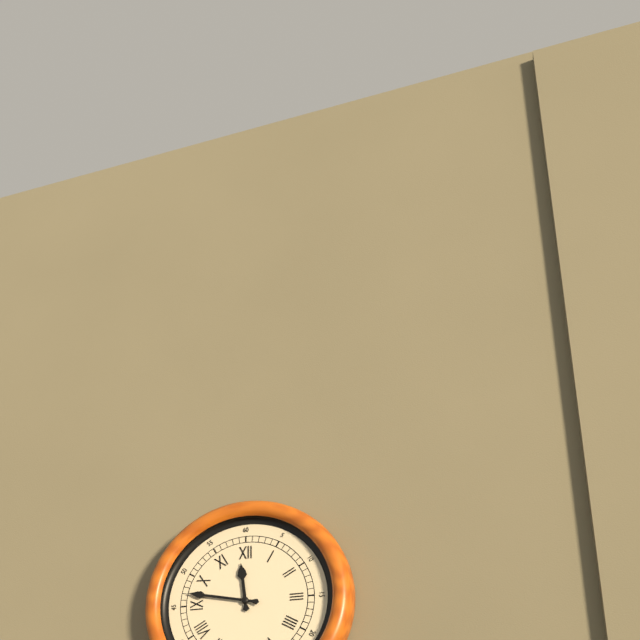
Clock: 11.47
